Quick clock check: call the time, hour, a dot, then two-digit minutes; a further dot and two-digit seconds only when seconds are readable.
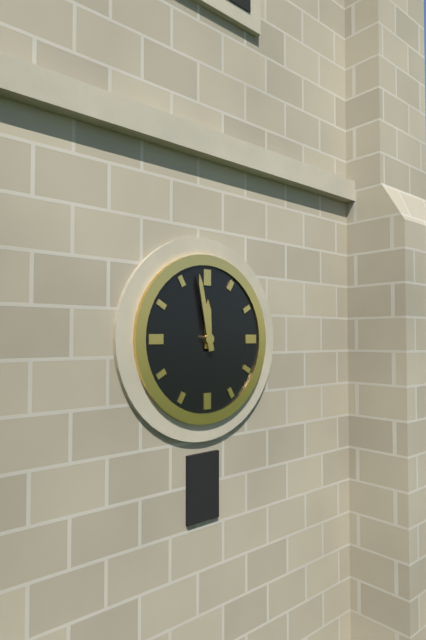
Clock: 11.58
